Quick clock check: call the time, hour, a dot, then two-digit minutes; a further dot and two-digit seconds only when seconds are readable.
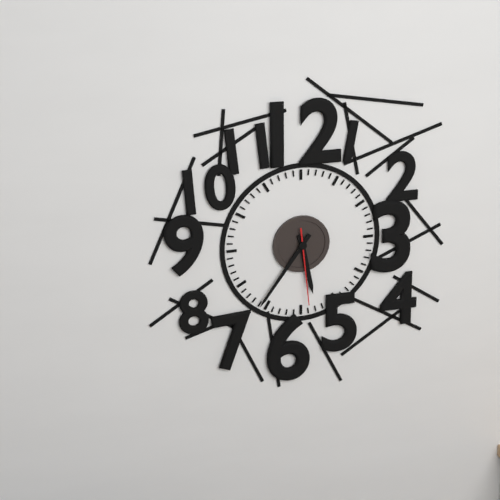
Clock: 5.36.29
